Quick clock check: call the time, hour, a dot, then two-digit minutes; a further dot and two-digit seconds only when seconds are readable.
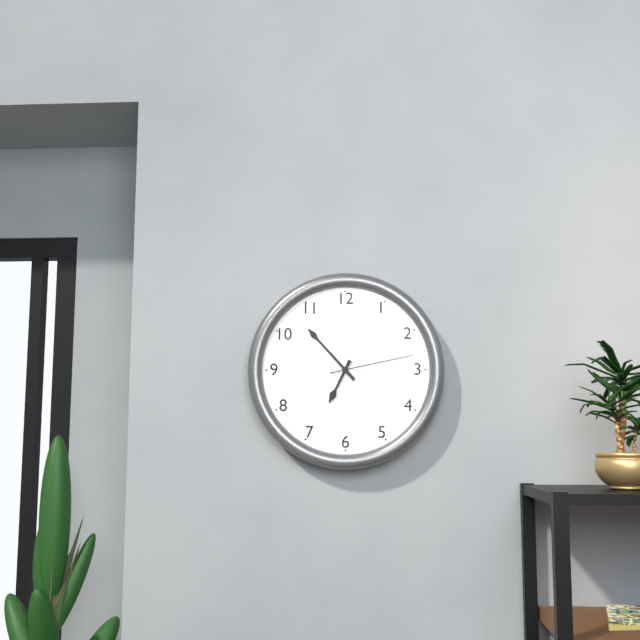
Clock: 6.53.13
